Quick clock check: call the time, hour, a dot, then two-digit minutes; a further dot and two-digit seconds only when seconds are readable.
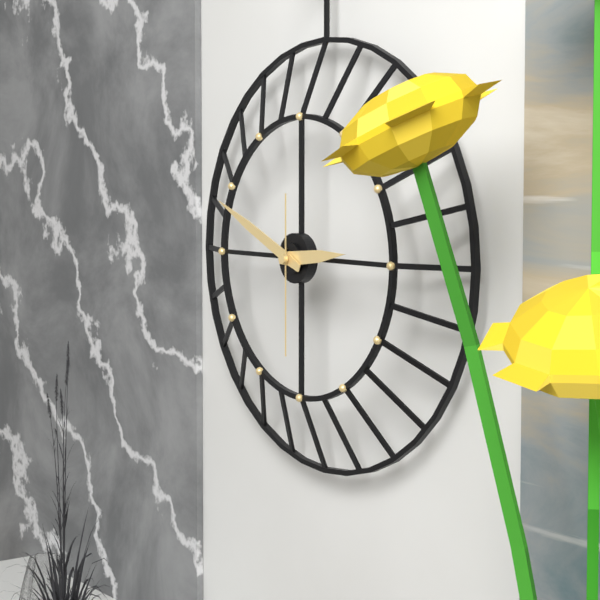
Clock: 2.49.30
